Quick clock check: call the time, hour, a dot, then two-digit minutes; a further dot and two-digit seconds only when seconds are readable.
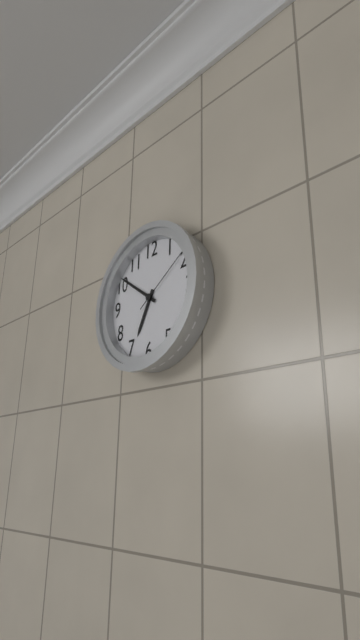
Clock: 6.51.09
